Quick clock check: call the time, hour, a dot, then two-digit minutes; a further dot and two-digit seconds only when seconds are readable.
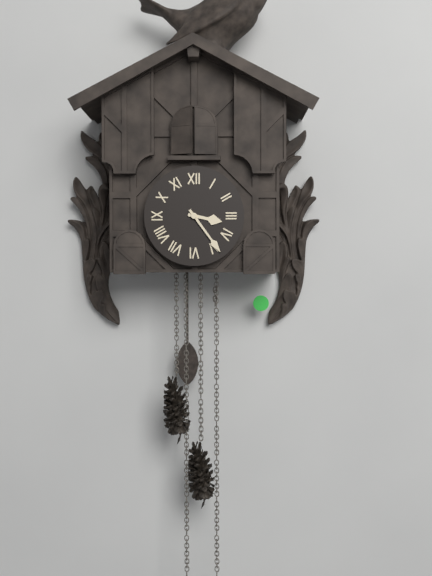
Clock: 3.24
